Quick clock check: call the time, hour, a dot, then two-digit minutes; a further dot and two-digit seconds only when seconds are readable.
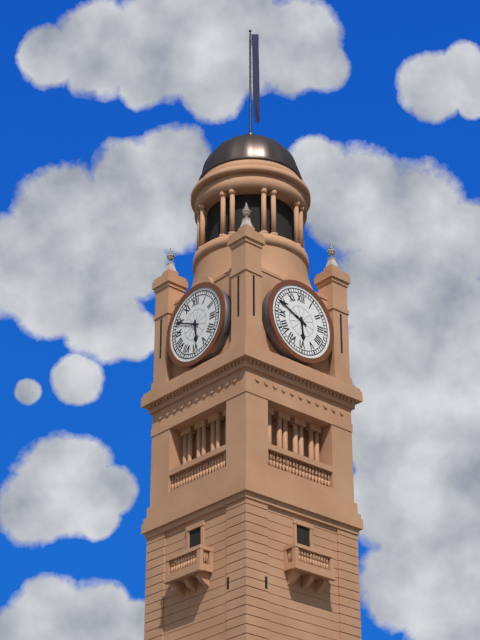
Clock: 5.49
